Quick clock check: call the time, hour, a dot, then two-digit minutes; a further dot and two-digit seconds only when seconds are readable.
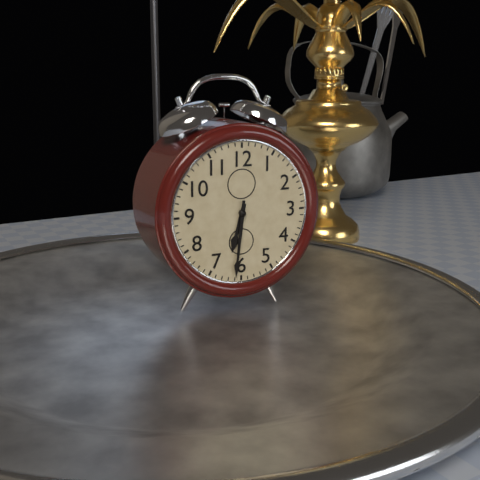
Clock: 6.31
